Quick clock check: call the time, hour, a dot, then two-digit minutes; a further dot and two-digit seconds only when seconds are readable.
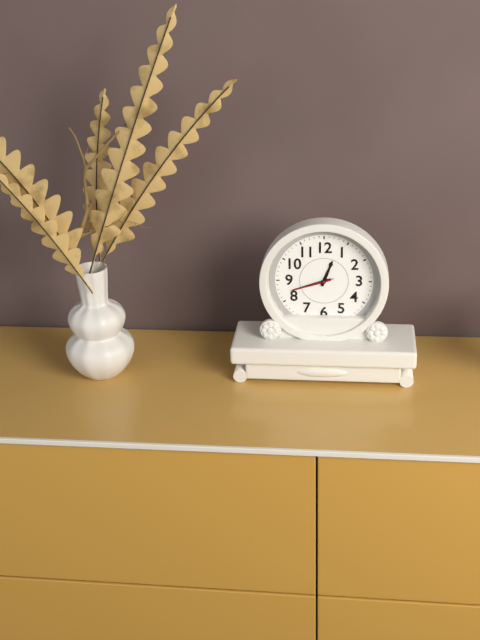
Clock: 12.42
